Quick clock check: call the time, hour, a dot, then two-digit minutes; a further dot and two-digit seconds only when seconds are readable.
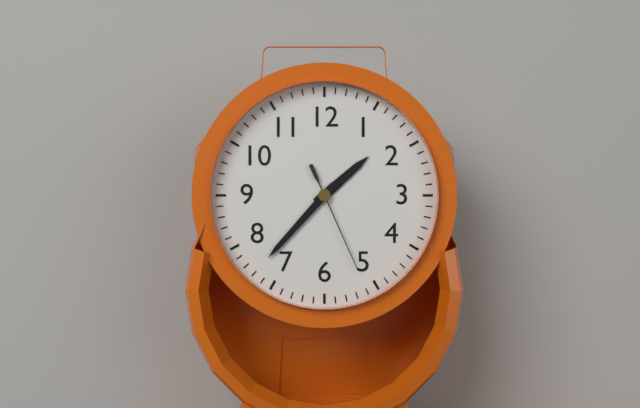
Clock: 1.37.26
